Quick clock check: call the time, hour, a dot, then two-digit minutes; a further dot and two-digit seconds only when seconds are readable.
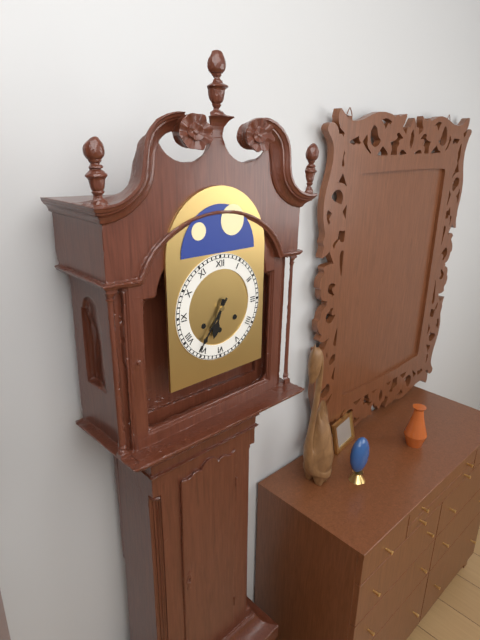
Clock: 6.36
